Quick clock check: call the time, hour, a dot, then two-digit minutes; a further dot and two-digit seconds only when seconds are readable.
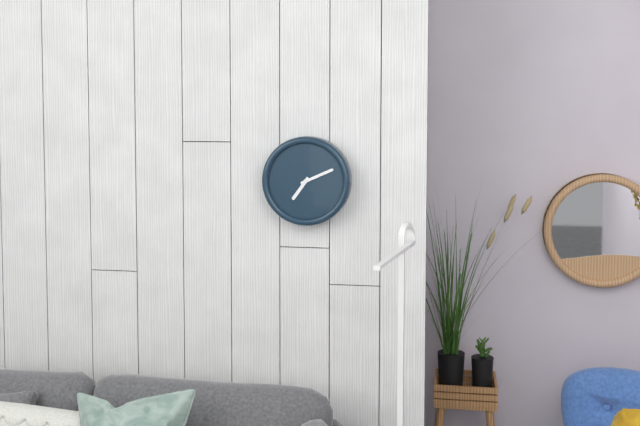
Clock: 7.11
